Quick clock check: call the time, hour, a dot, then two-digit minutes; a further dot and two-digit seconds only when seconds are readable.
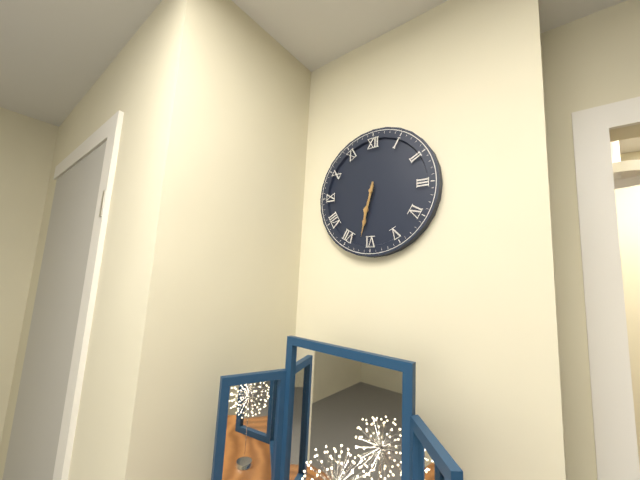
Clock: 6.32
